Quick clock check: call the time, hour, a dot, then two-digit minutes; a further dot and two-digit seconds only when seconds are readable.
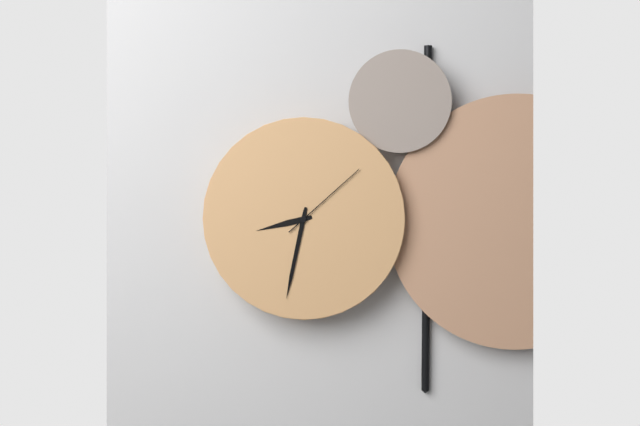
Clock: 8.32.08
